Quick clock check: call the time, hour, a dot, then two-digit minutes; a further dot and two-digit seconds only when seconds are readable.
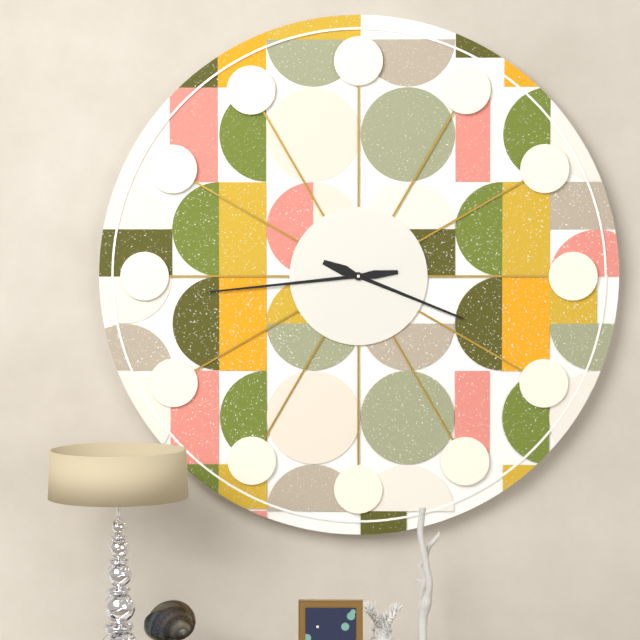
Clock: 3.44
